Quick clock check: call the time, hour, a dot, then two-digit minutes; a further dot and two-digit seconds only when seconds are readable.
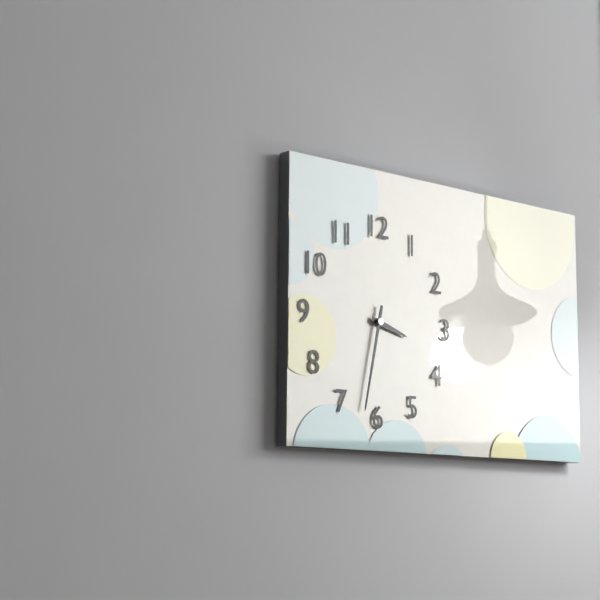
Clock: 3.32
